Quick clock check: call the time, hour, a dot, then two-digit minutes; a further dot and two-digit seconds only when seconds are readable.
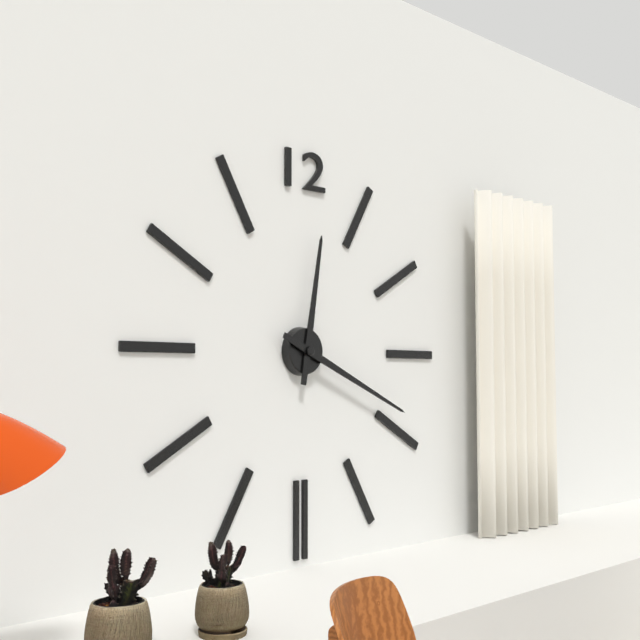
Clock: 12.19
